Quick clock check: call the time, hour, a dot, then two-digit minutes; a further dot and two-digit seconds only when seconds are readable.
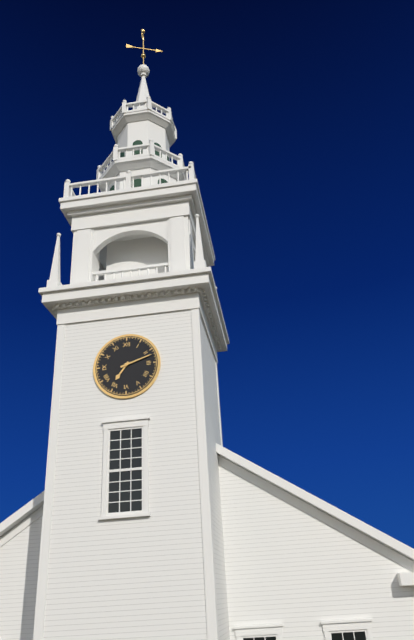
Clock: 7.12
